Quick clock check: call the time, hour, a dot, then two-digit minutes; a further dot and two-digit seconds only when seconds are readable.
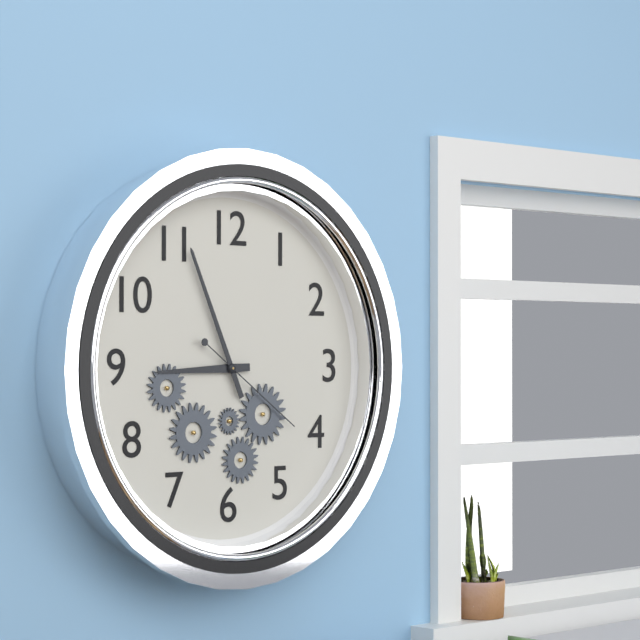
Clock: 8.56.21
